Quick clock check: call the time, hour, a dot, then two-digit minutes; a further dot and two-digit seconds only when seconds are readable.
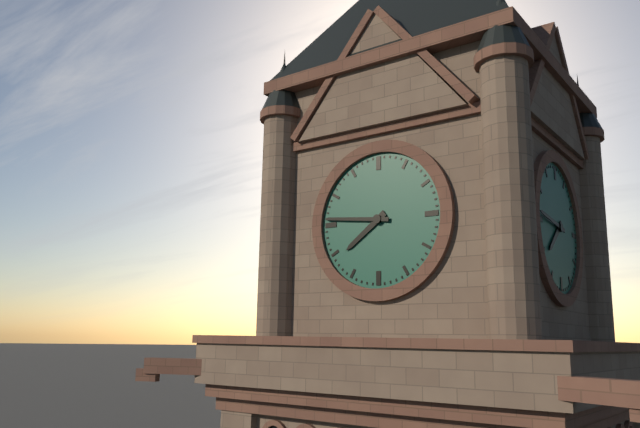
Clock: 7.46
